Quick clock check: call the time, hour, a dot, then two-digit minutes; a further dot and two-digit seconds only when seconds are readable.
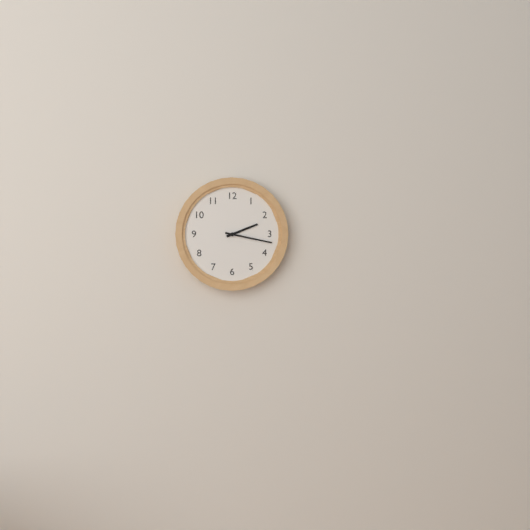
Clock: 2.17
